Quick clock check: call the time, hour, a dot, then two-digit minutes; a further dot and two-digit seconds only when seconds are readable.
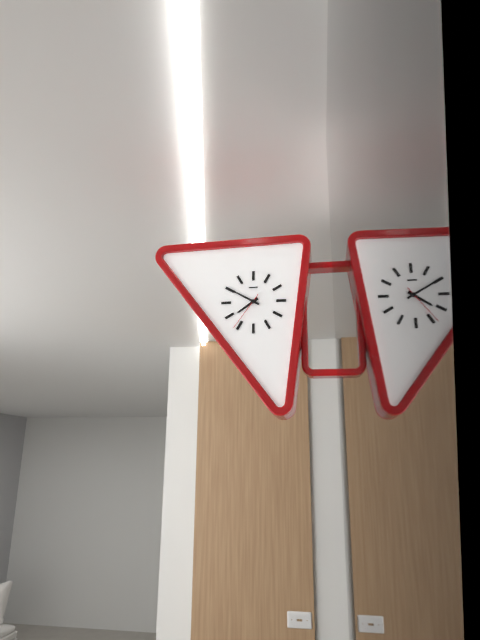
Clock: 7.50
